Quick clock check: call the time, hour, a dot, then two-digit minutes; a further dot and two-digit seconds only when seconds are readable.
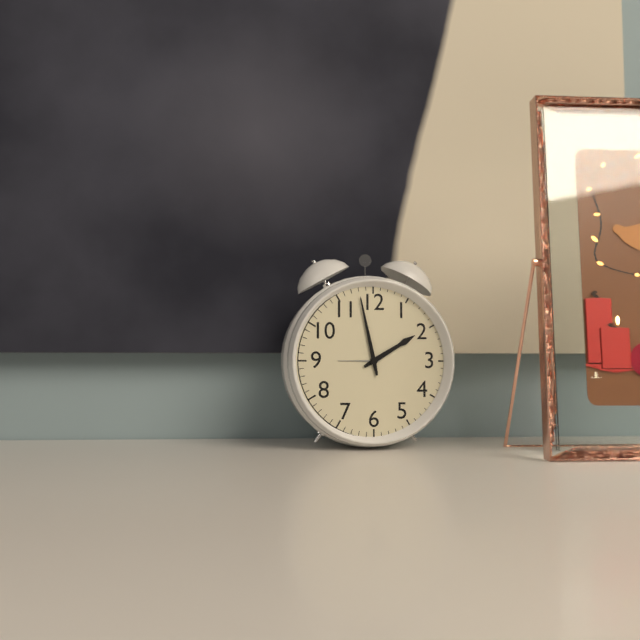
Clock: 1.58
